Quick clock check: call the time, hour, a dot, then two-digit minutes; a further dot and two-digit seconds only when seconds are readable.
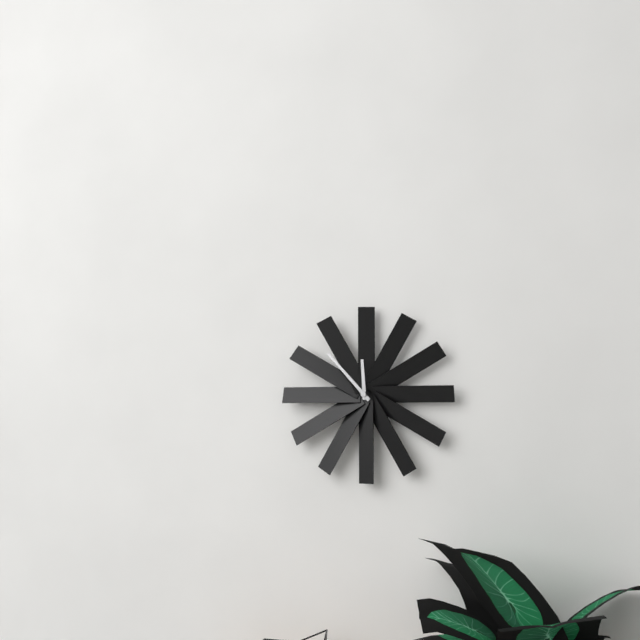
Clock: 11.53
